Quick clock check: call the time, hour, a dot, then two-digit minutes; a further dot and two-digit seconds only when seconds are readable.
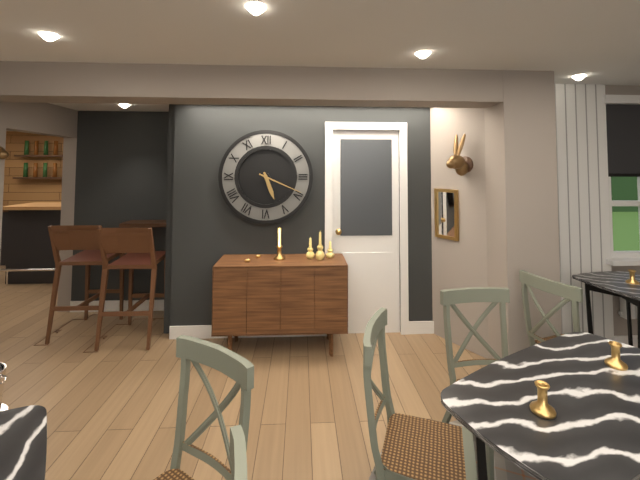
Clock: 5.19
